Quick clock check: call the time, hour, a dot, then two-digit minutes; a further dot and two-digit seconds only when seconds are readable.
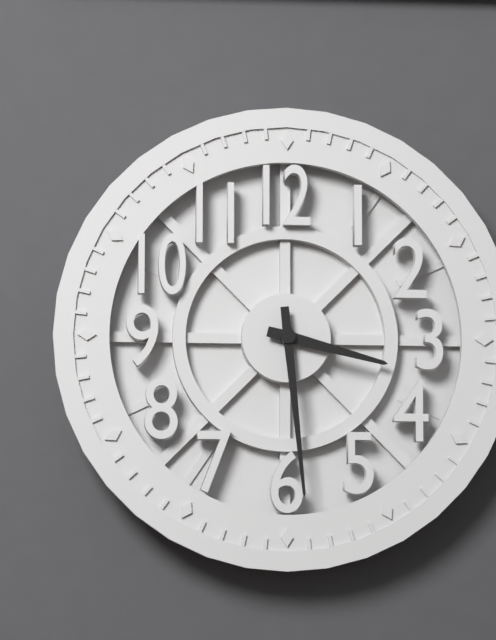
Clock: 3.29
